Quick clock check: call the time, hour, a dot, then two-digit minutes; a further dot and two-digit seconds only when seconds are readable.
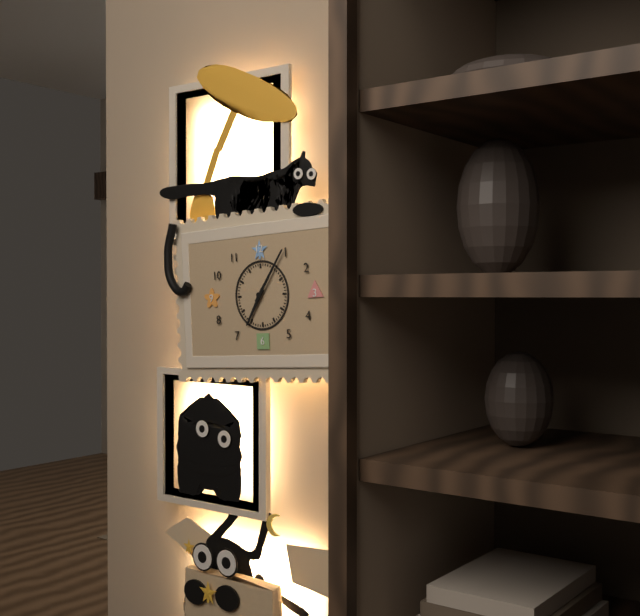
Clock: 7.06
